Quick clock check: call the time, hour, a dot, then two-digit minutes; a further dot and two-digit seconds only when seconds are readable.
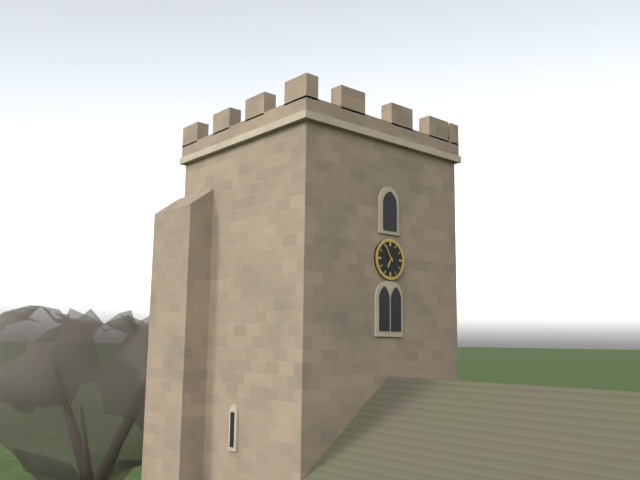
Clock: 6.55
